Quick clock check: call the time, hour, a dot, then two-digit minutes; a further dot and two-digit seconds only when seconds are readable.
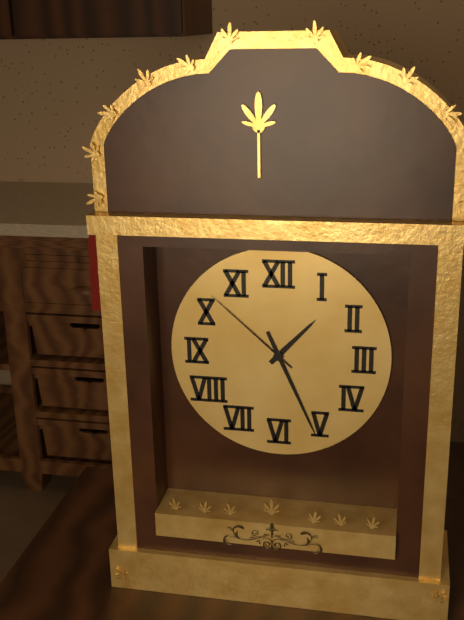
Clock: 1.26.52
